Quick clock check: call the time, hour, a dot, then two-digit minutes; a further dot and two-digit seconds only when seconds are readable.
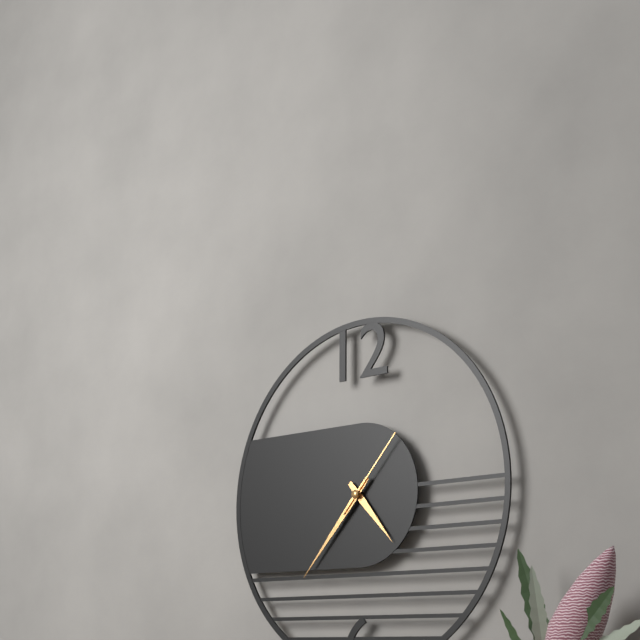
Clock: 4.37.07
